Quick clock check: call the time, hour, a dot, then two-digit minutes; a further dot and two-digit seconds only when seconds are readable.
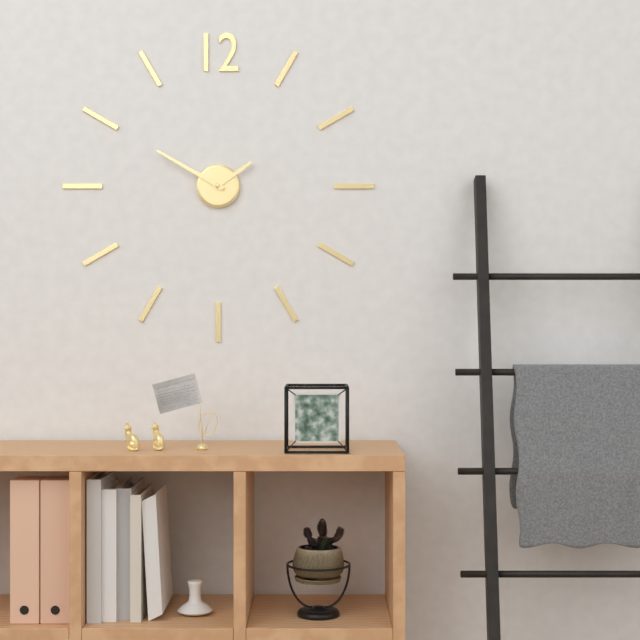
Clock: 1.50
